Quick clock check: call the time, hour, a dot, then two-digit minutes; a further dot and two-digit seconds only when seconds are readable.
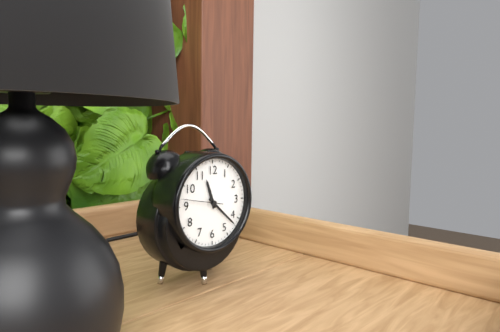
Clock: 11.22
